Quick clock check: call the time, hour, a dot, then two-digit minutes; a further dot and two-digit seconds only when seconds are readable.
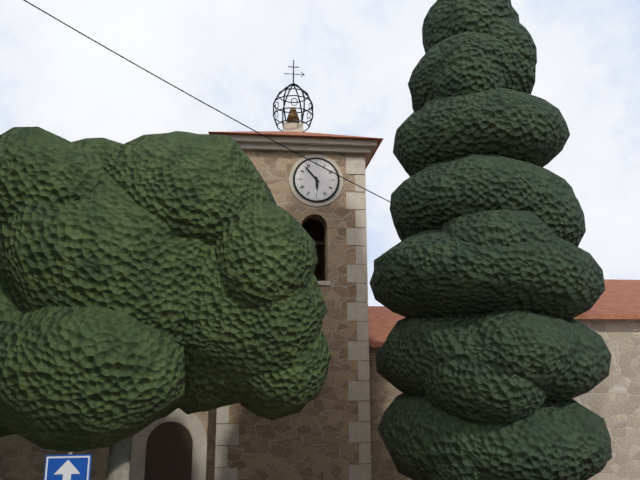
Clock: 5.53
